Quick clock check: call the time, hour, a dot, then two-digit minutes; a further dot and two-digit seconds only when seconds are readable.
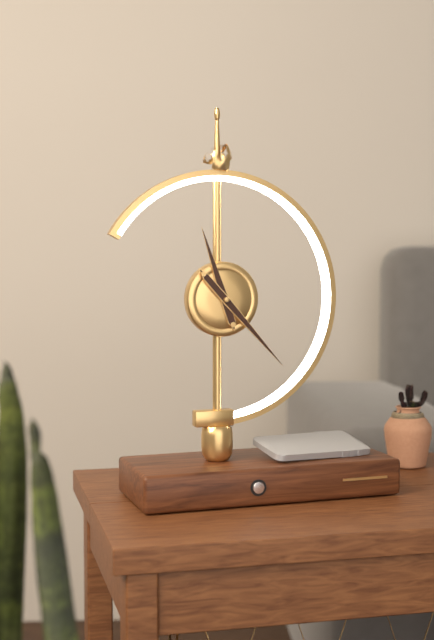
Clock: 11.23
